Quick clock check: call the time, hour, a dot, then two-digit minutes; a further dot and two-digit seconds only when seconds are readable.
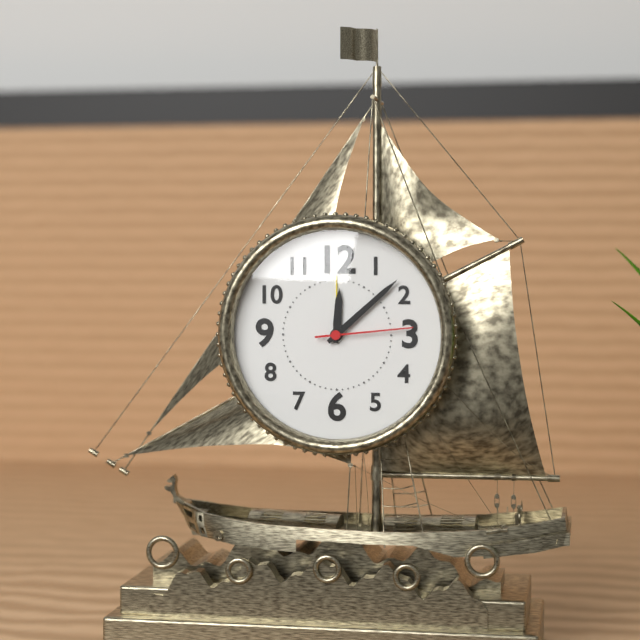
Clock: 12.08.14
